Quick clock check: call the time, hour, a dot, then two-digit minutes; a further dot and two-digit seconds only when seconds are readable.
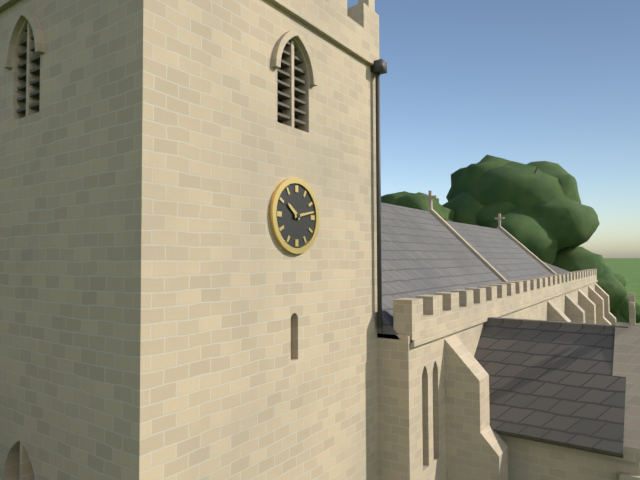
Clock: 10.13
